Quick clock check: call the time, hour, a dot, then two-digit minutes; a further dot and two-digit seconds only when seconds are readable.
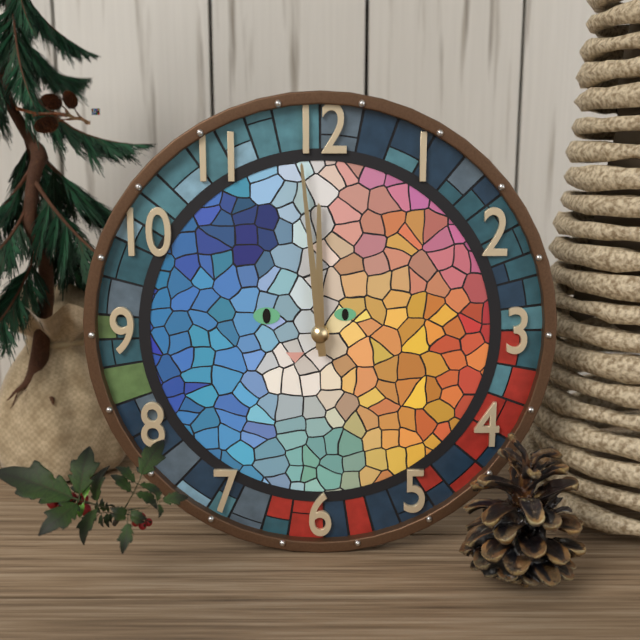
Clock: 11.59
